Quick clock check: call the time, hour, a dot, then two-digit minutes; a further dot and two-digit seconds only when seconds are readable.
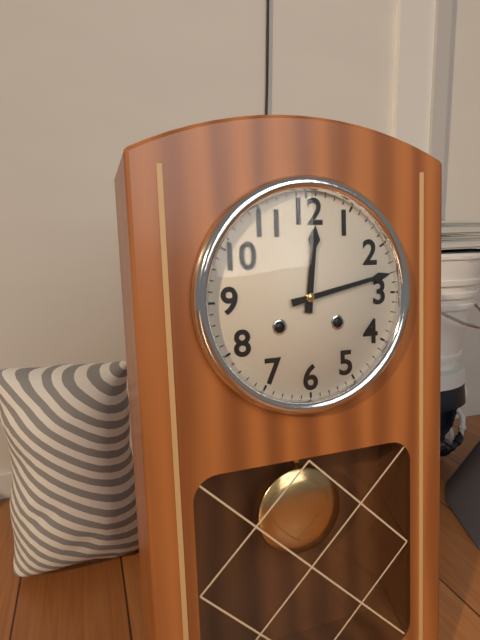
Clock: 12.13
